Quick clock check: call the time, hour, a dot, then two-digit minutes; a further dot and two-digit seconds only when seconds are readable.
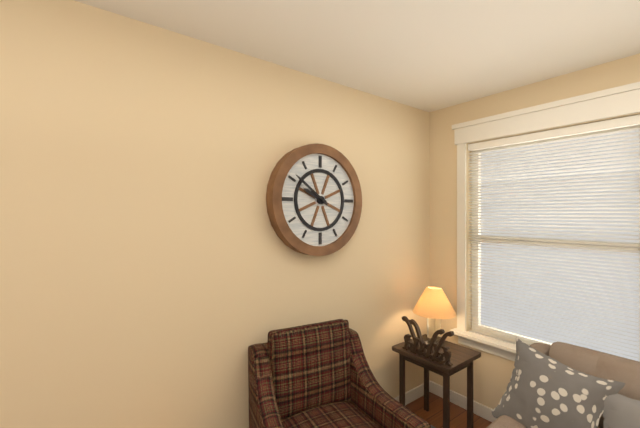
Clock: 9.51
